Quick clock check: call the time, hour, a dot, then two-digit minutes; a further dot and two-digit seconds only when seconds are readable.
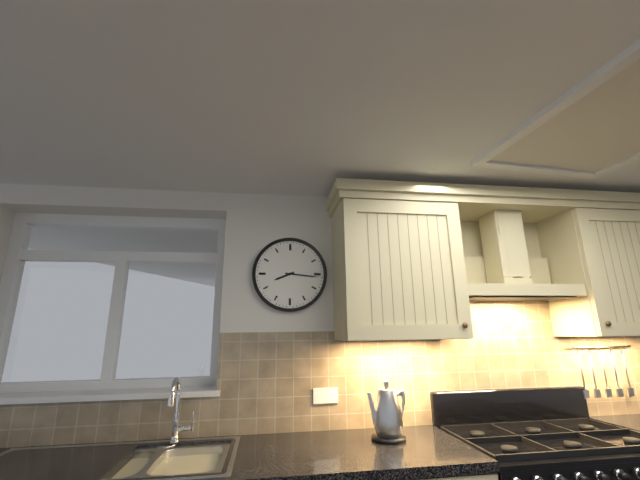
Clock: 8.16
